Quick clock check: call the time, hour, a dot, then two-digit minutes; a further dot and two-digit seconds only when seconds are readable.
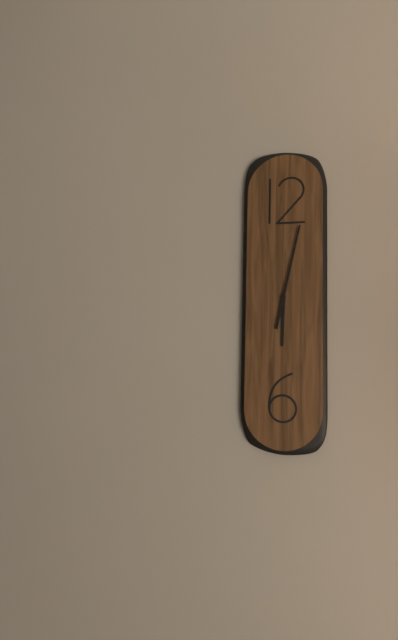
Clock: 6.02
